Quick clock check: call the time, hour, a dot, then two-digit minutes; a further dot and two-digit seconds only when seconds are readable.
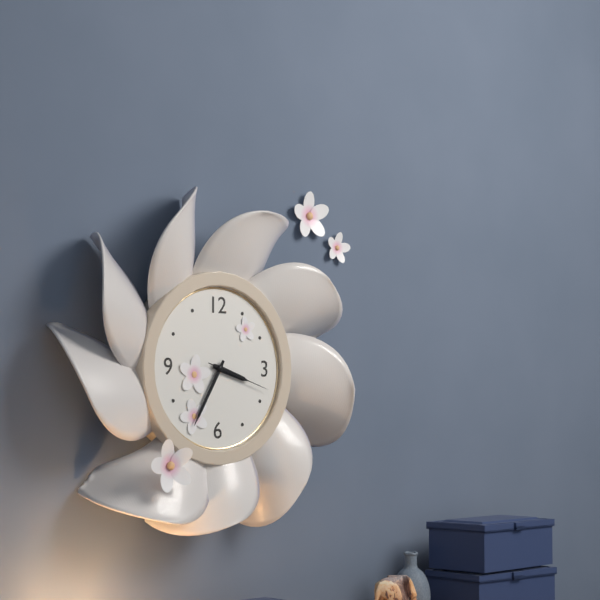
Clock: 3.35.18
